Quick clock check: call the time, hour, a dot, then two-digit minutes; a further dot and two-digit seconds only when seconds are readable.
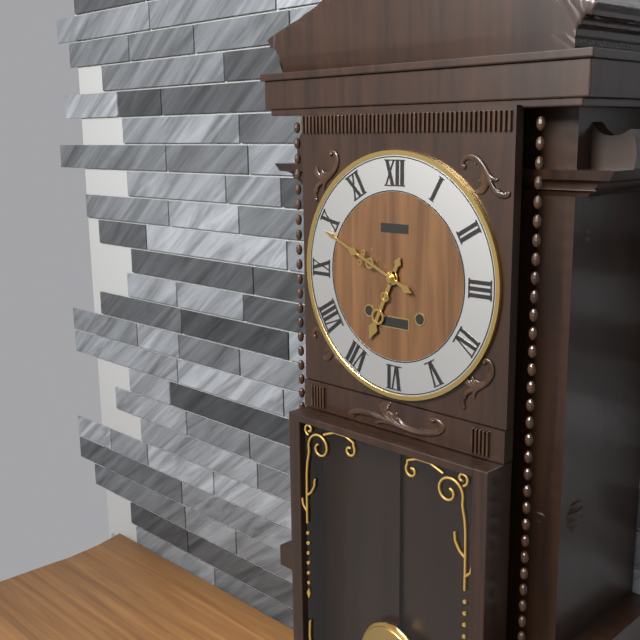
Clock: 6.49
